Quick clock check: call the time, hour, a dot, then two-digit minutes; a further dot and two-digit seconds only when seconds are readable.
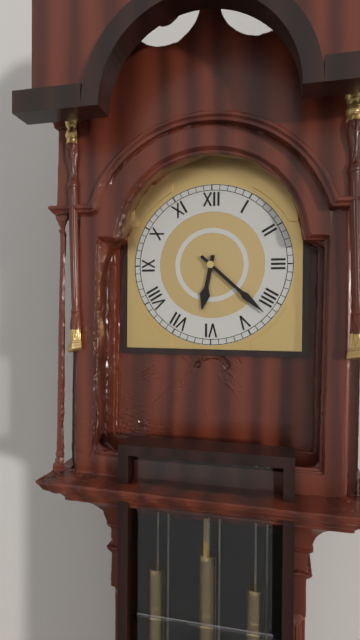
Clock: 6.22
